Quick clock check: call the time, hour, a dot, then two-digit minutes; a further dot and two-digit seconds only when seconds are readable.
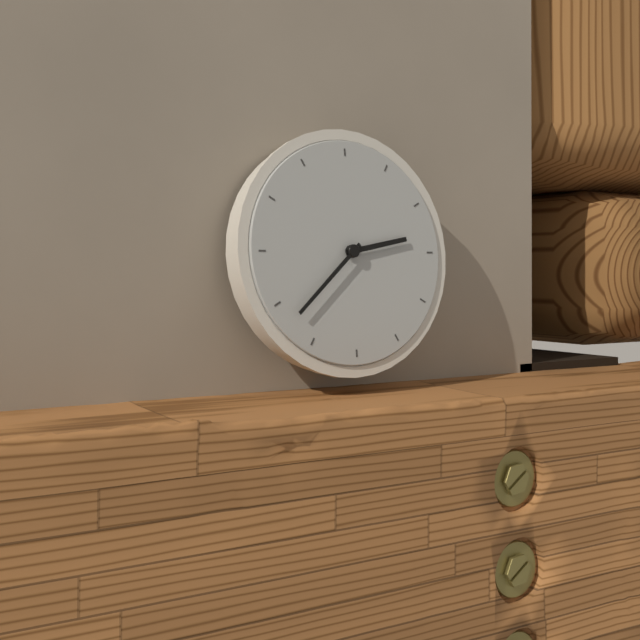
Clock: 2.38
